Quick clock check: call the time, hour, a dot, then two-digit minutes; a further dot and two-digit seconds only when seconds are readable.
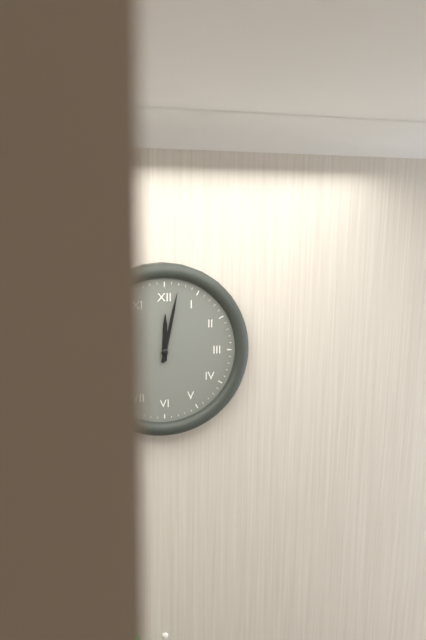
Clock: 12.02
